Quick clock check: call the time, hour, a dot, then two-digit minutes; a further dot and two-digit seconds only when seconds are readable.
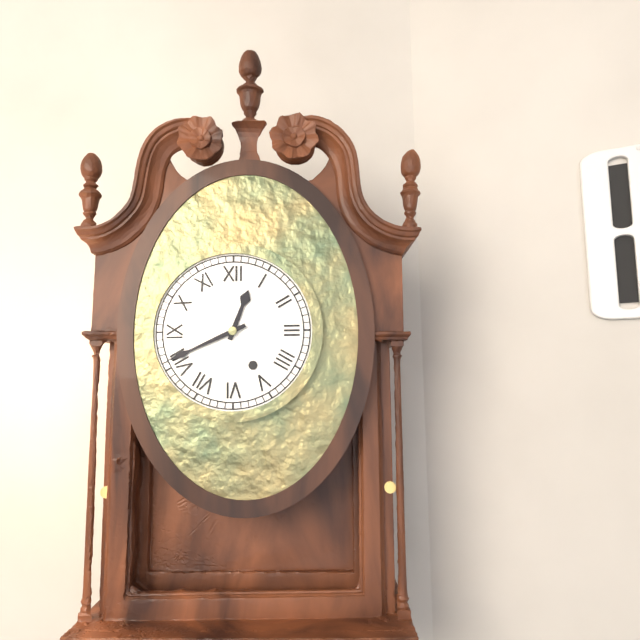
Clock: 12.41
